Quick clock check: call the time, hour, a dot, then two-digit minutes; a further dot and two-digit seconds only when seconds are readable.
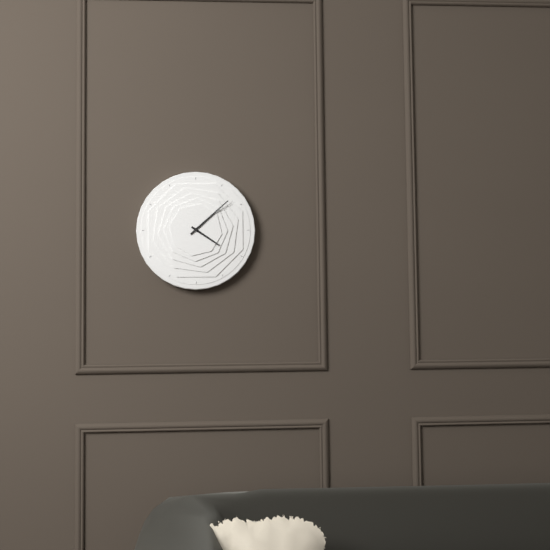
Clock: 4.08
